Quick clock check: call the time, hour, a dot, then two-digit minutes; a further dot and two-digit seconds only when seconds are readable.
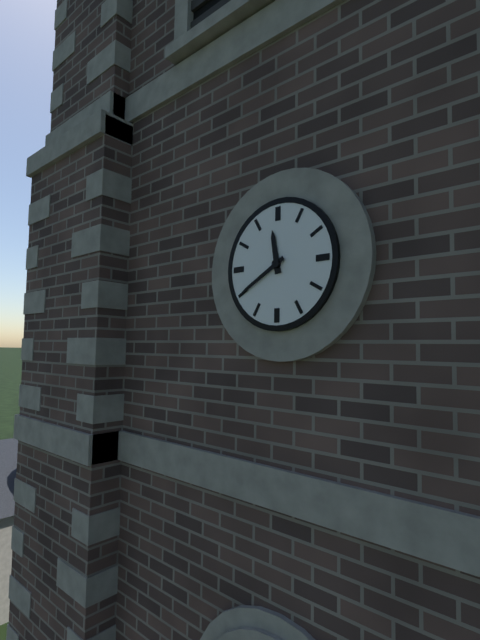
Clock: 11.40
